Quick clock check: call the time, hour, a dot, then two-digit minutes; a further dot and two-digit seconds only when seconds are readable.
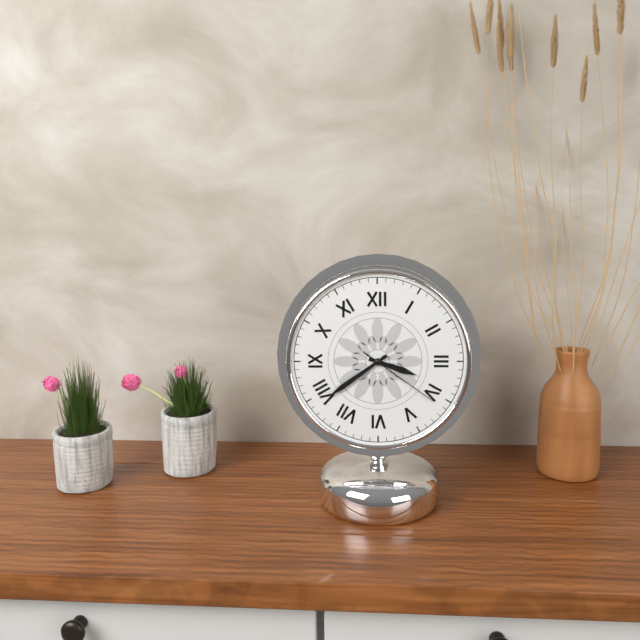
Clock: 3.39.21
